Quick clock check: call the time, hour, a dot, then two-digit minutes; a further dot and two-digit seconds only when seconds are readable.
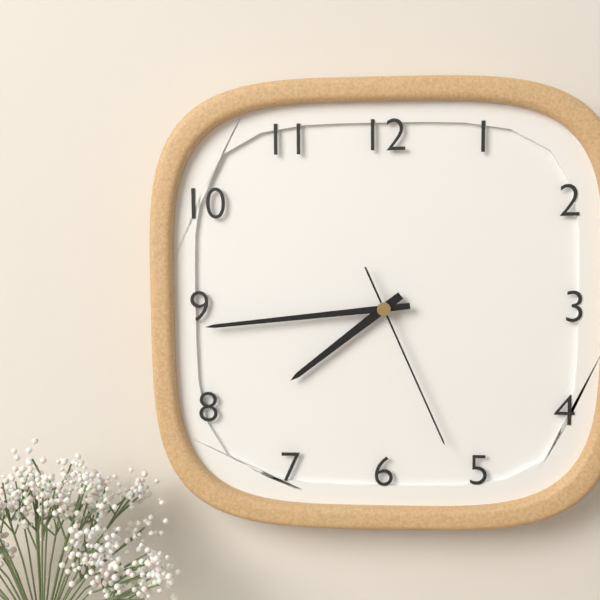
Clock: 7.44.26
